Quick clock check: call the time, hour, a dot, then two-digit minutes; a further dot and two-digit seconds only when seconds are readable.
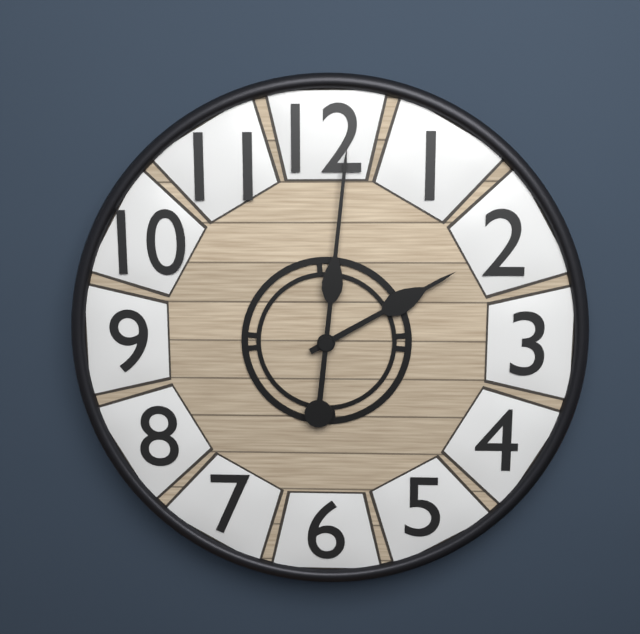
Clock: 2.01
